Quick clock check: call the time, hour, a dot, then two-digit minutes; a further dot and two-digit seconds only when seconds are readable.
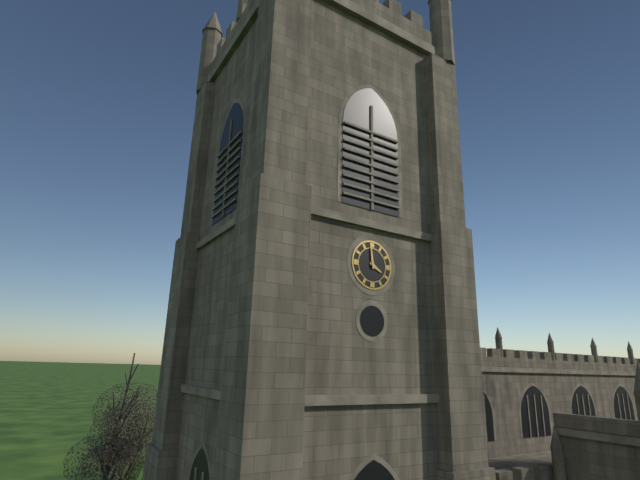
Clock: 3.59
